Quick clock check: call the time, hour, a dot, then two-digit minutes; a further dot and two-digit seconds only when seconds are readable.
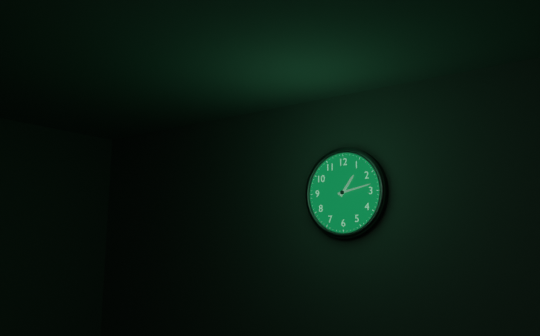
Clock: 1.13
